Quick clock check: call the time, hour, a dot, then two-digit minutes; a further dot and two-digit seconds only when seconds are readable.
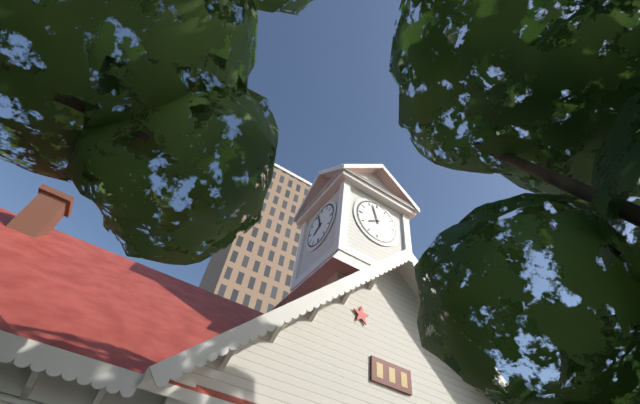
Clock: 7.57
